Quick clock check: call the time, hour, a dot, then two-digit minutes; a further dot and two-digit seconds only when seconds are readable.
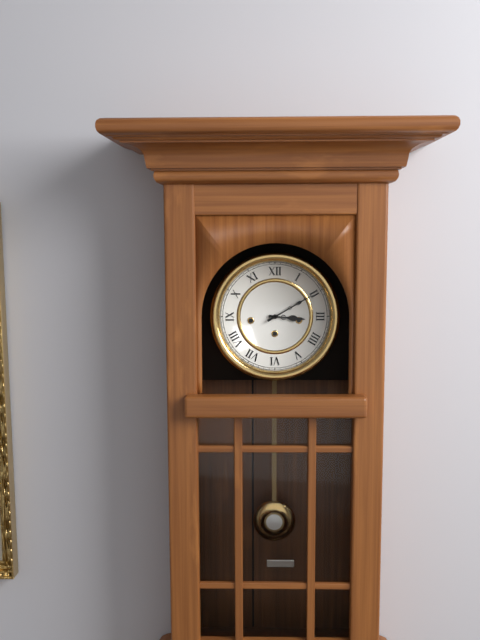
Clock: 3.10
